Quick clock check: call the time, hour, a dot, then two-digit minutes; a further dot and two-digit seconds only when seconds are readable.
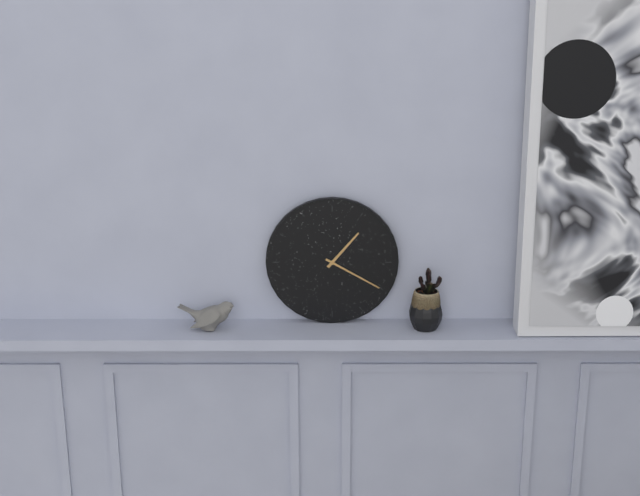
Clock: 1.20
